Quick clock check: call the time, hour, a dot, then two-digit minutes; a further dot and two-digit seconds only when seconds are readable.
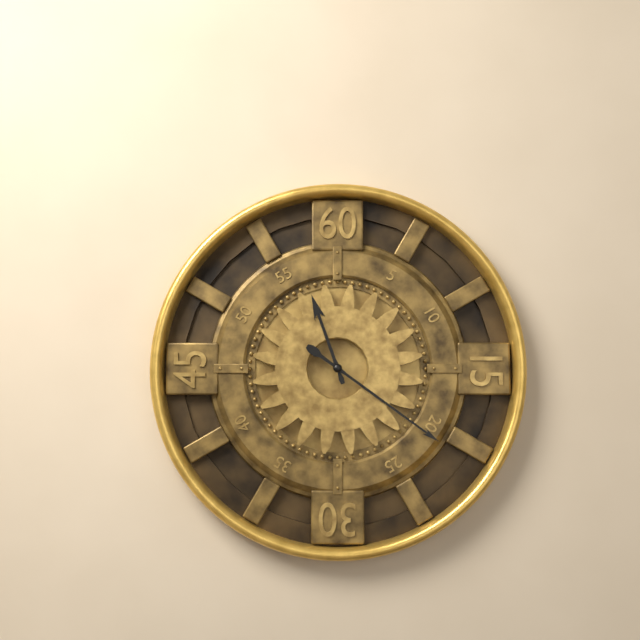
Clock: 11.21
